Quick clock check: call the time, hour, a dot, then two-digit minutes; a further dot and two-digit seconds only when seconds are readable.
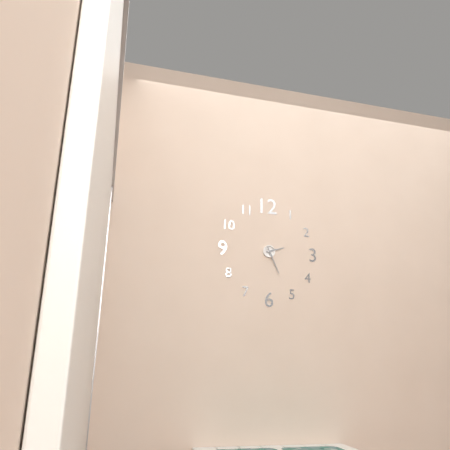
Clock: 2.26
